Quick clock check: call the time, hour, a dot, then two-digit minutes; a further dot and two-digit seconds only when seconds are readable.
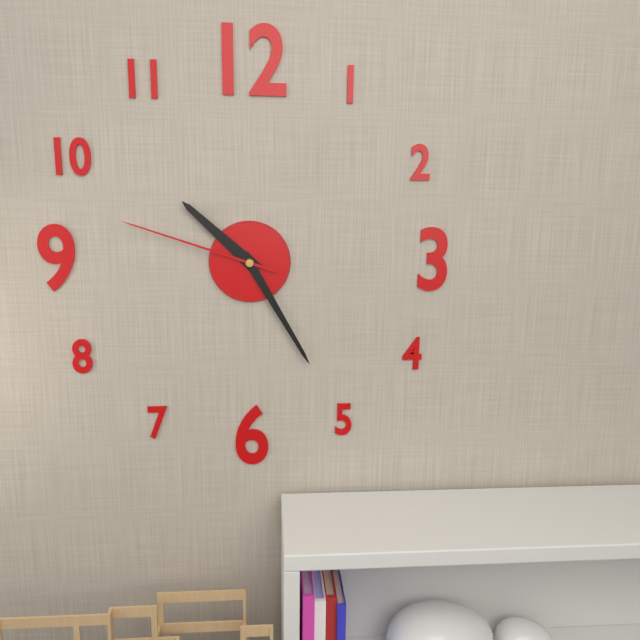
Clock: 10.25.48
